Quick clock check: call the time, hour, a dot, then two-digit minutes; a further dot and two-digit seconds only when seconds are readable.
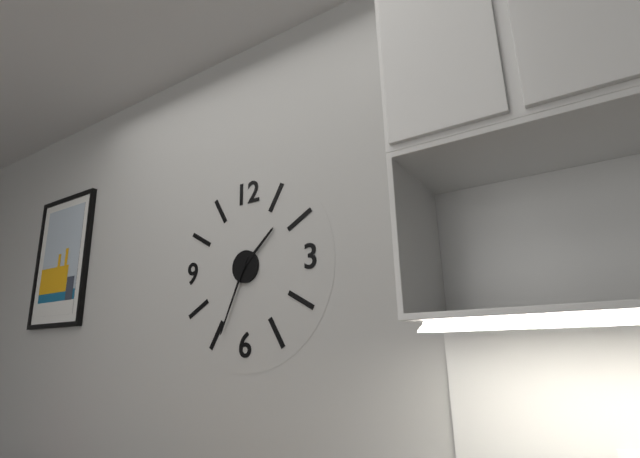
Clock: 1.34
